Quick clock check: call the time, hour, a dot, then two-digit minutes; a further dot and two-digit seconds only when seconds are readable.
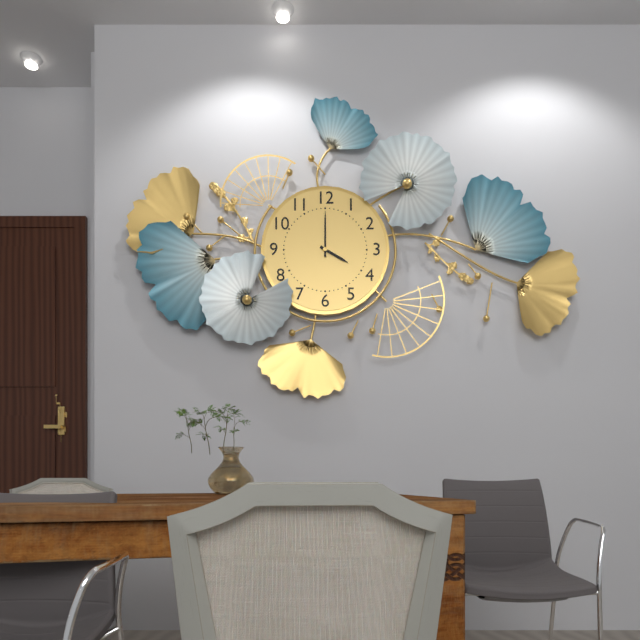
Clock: 4.00
